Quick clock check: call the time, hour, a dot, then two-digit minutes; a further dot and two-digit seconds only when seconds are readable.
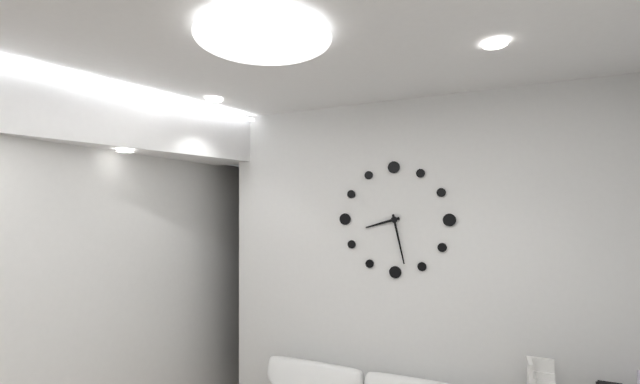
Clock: 8.28
